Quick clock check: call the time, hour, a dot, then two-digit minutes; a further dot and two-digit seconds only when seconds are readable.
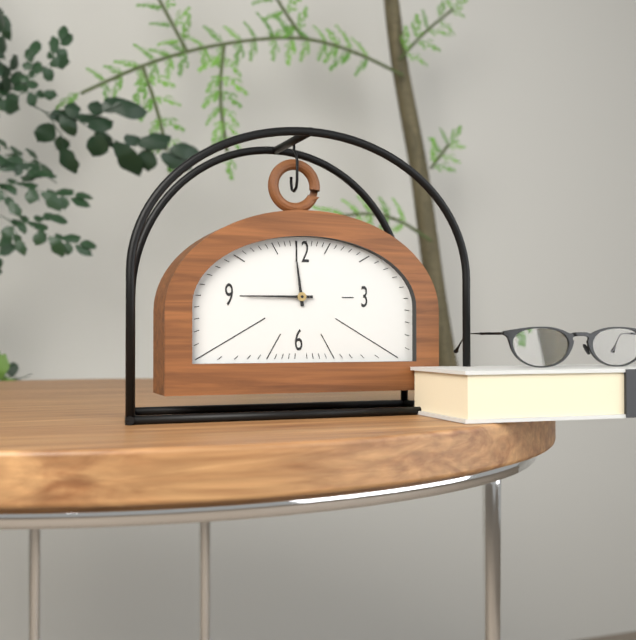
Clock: 11.45
